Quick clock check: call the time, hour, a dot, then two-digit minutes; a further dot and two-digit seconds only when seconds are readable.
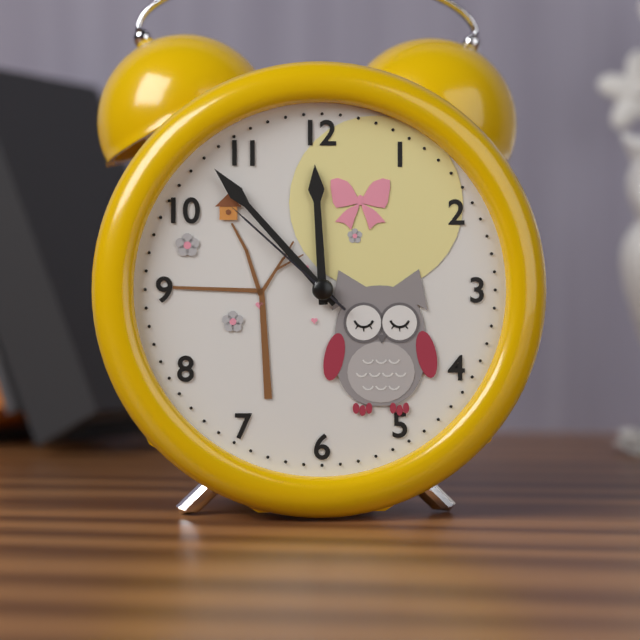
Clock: 11.53.52
